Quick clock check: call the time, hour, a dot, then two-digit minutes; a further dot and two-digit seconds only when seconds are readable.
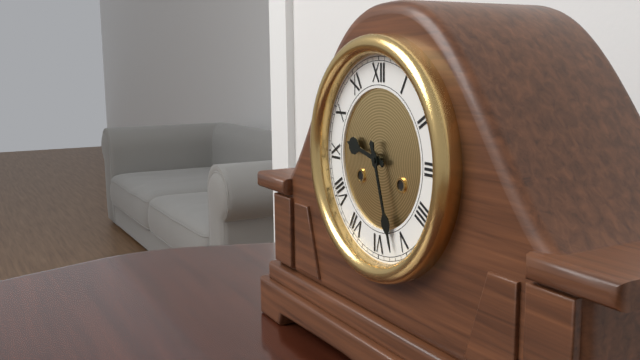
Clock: 9.27
